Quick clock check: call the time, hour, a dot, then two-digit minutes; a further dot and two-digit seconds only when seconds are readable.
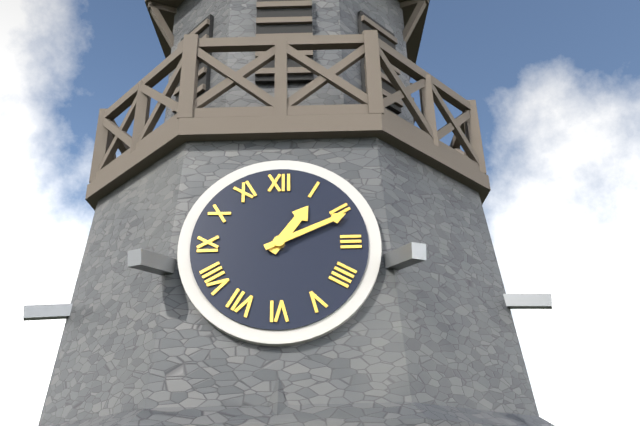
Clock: 1.11
